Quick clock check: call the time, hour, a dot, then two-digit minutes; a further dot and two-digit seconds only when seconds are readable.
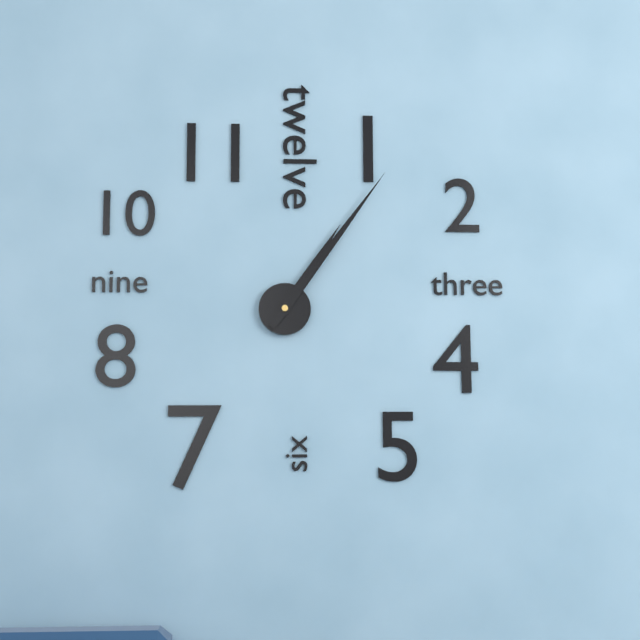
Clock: 1.06
